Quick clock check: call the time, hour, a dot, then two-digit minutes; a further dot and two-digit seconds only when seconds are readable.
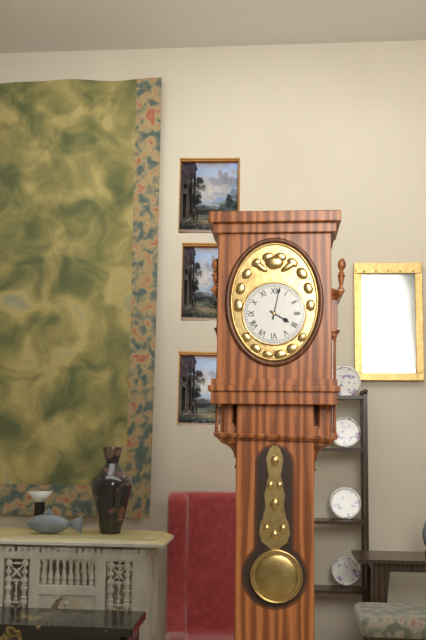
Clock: 4.02
